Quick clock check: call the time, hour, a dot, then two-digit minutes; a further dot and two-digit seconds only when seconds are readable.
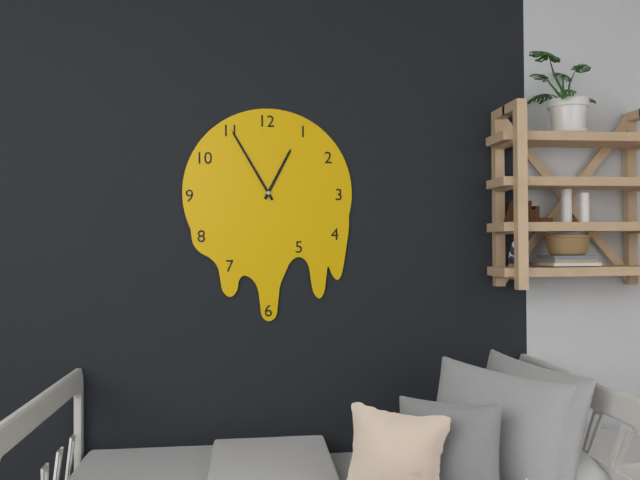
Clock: 12.55
